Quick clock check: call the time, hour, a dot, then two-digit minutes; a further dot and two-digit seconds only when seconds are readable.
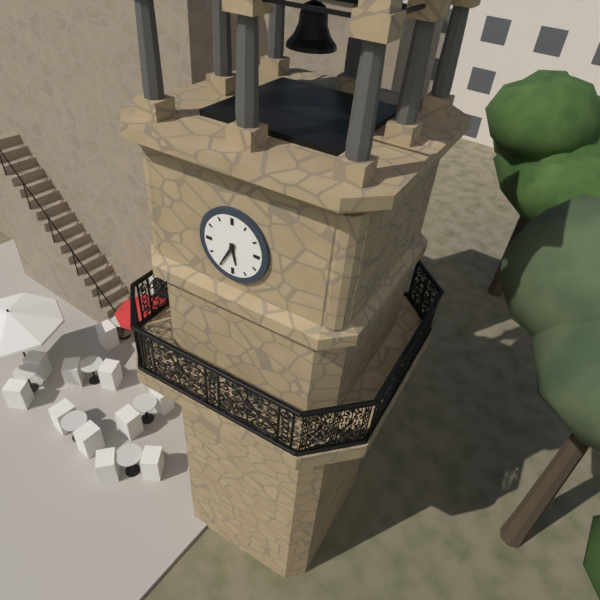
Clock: 5.35
